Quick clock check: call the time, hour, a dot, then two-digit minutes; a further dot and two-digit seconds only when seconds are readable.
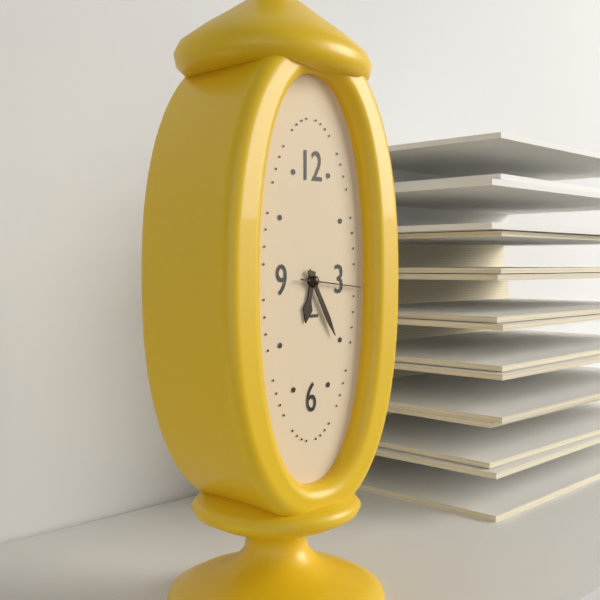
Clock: 6.25.16
